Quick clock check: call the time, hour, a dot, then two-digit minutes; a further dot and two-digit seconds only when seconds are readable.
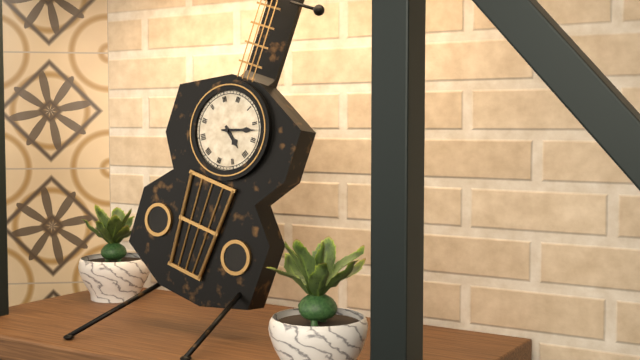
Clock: 4.12
